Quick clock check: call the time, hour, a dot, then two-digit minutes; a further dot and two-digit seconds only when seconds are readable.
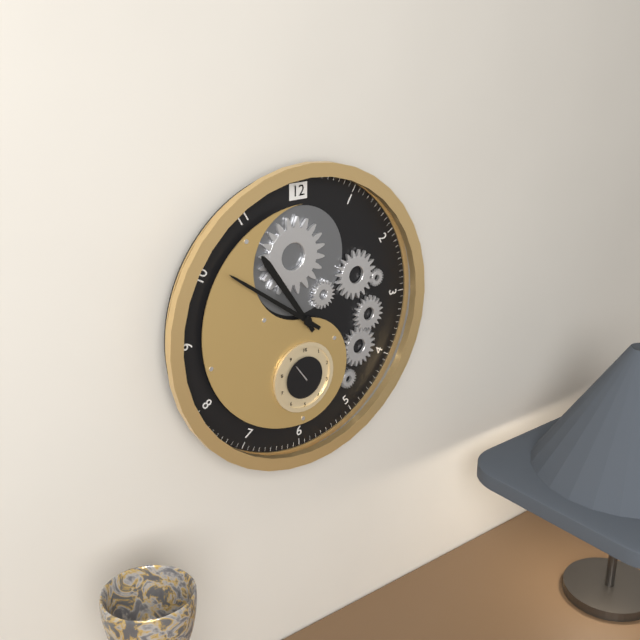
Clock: 10.51
